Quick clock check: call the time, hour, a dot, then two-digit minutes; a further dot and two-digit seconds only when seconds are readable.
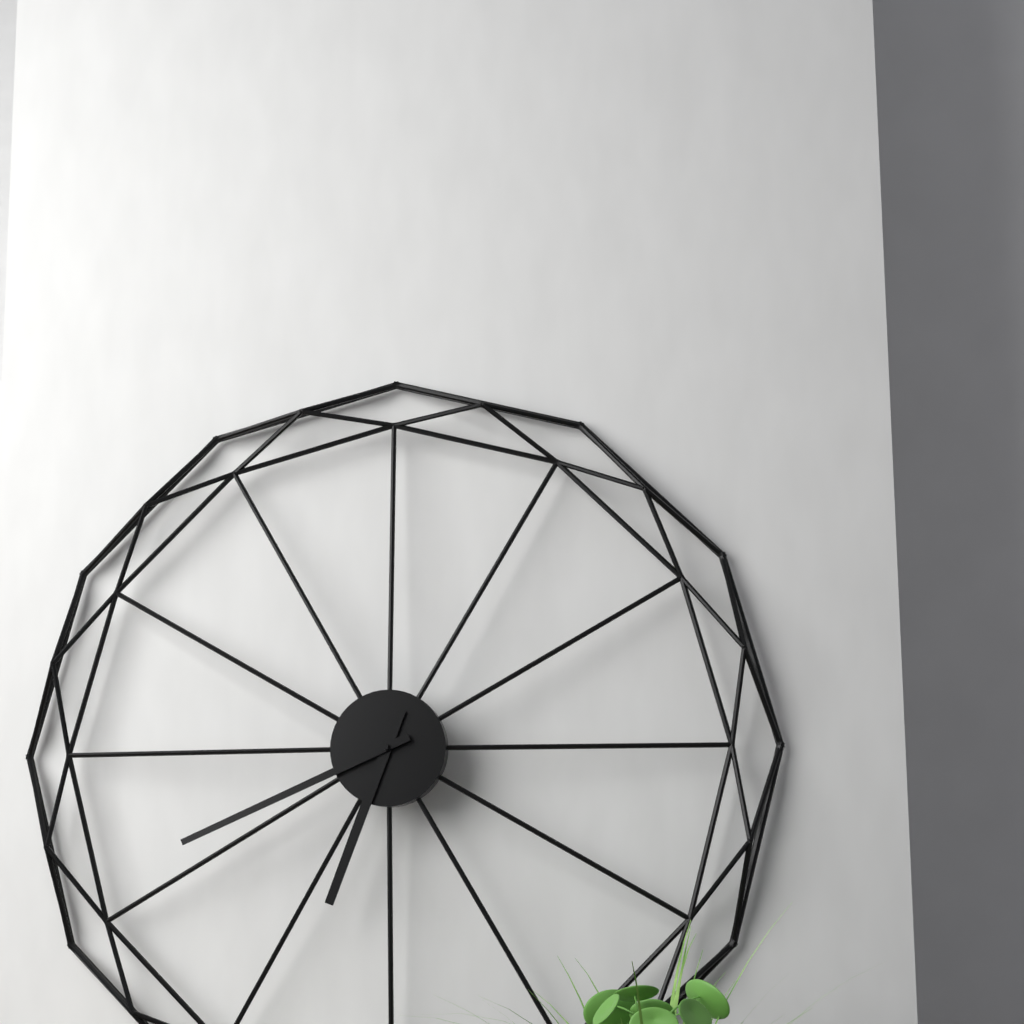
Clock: 6.41
